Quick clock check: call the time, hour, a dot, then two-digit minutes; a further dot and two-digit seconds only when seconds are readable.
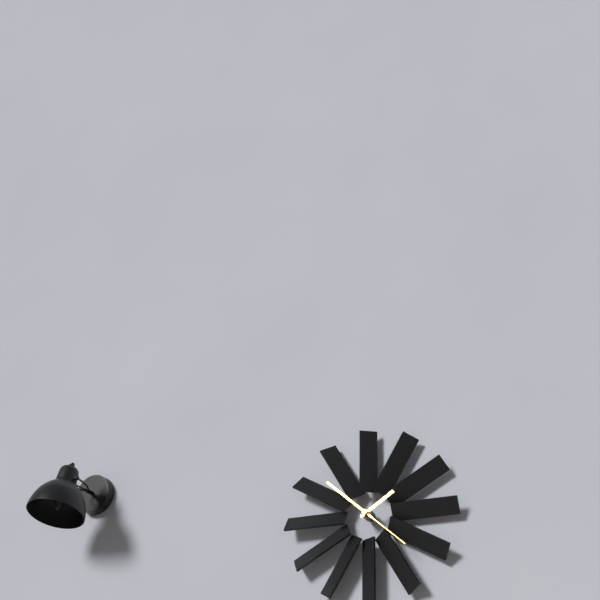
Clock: 1.52.22
